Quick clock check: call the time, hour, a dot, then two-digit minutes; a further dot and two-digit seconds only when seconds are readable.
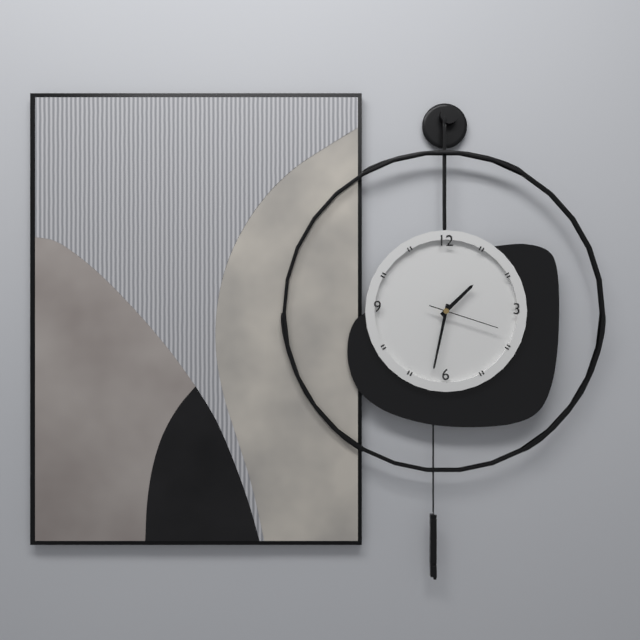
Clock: 1.32.18
